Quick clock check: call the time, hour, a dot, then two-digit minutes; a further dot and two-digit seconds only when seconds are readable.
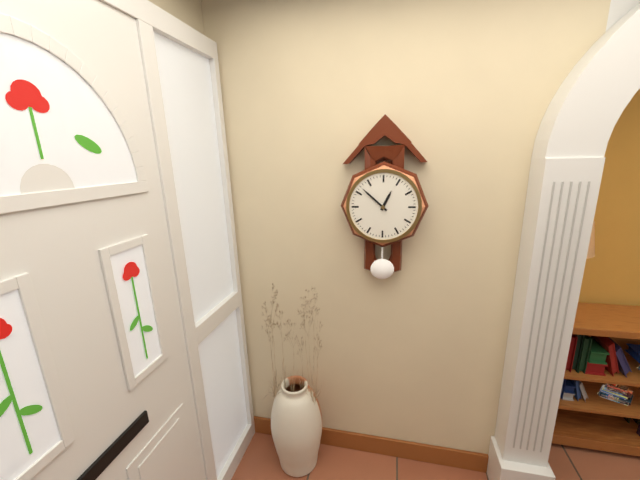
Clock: 12.52
